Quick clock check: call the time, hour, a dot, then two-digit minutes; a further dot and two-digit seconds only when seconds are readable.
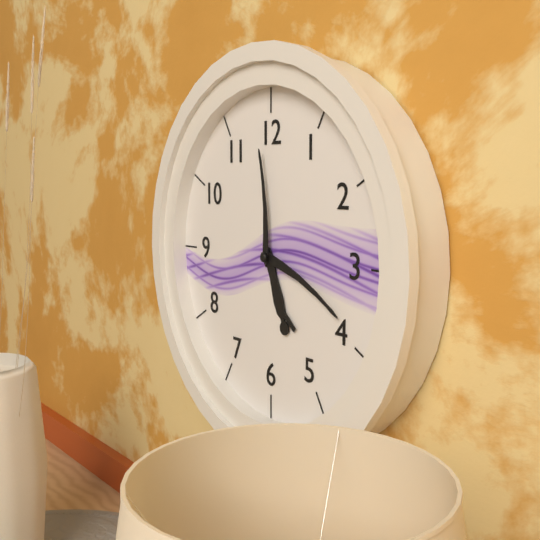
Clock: 5.19.59
